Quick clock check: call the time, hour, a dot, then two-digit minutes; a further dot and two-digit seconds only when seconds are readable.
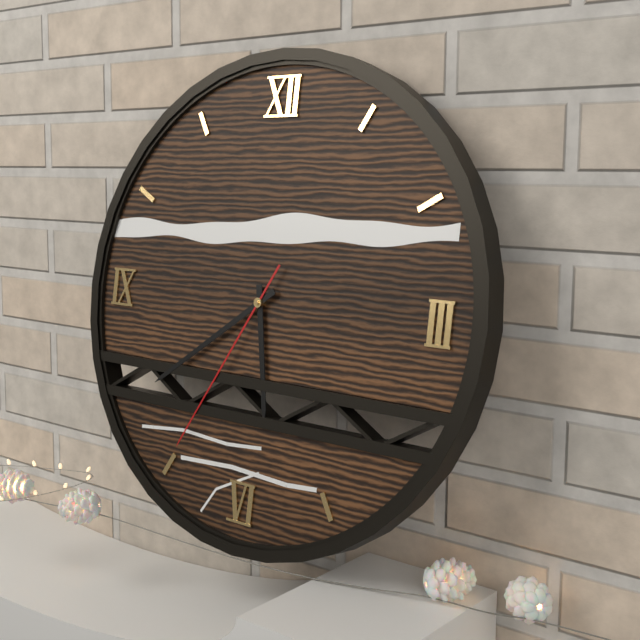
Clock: 5.39.35
